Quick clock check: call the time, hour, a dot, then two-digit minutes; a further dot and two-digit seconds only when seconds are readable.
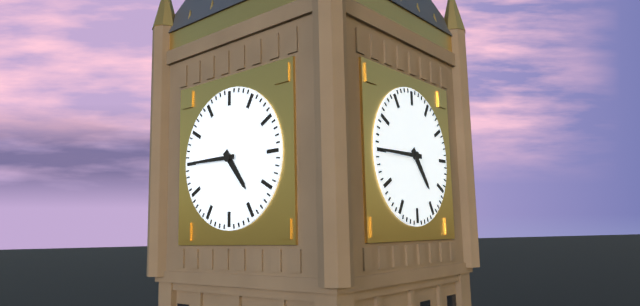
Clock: 4.45
